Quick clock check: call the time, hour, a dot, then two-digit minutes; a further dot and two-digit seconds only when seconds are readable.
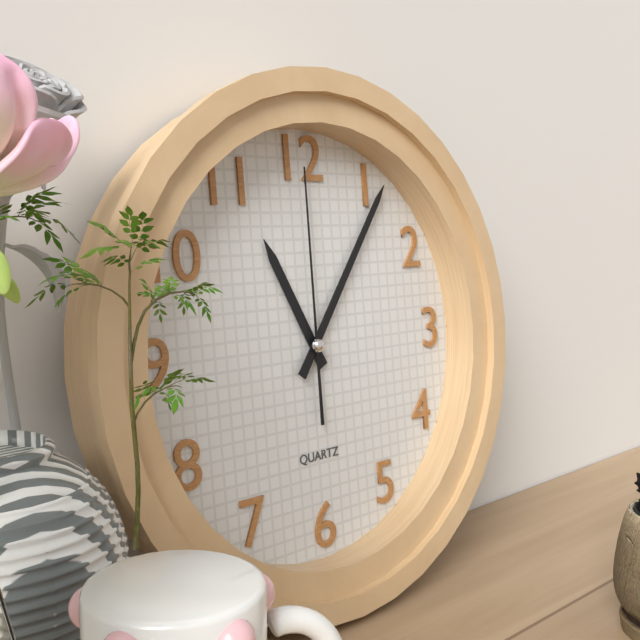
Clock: 11.06.00
